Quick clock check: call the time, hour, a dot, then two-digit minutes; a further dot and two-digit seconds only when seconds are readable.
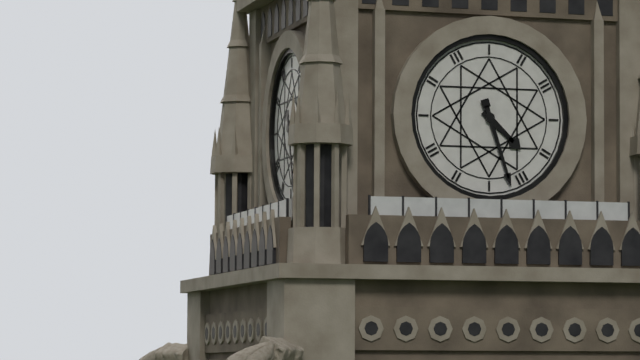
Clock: 4.27
